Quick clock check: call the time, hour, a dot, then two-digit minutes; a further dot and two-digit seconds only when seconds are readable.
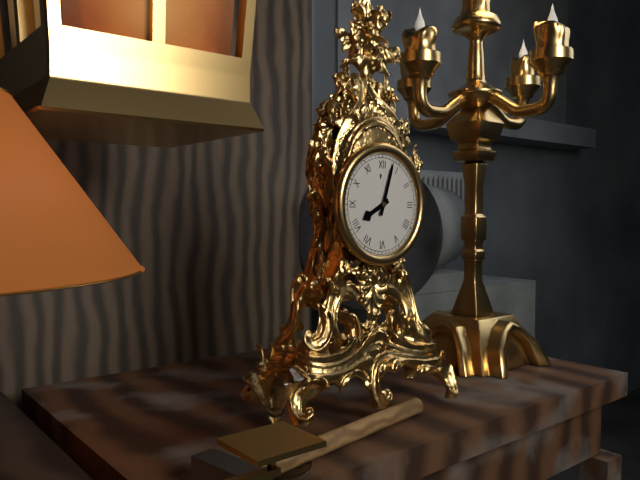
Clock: 8.03
